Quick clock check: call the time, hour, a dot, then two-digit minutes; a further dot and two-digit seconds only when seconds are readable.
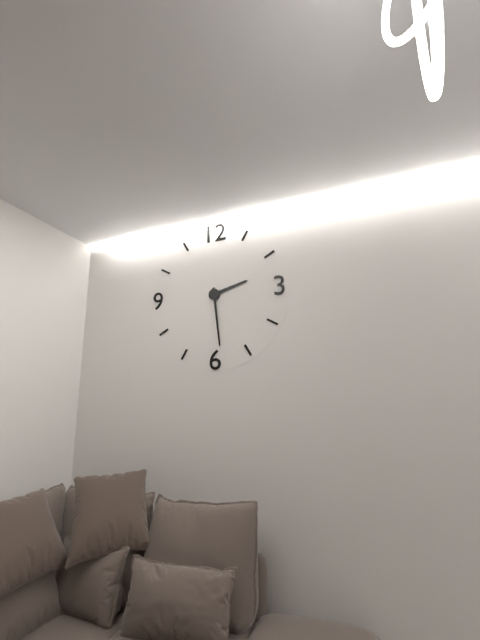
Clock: 2.29
